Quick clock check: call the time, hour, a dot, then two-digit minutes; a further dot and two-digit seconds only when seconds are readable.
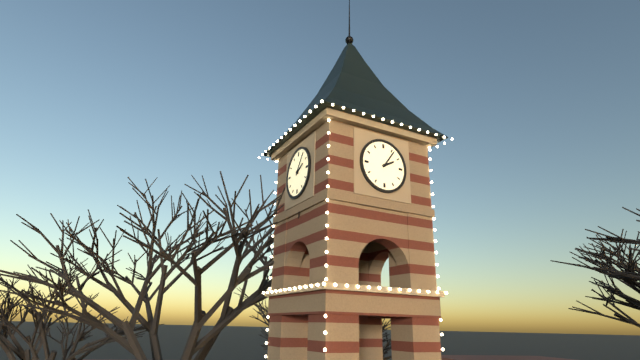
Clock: 2.06
